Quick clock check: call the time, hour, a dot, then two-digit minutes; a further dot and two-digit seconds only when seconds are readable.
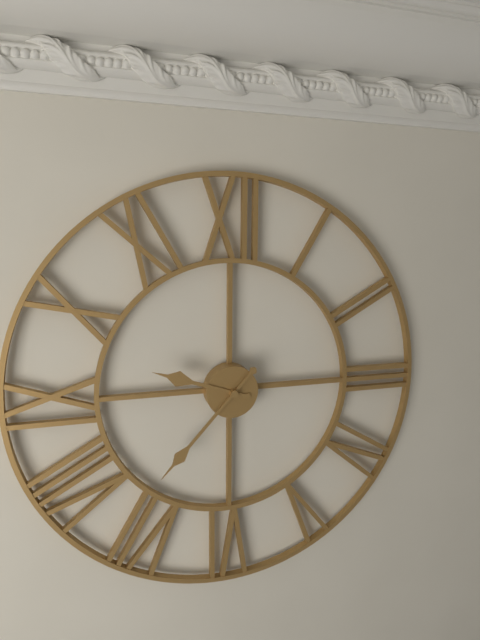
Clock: 9.37
